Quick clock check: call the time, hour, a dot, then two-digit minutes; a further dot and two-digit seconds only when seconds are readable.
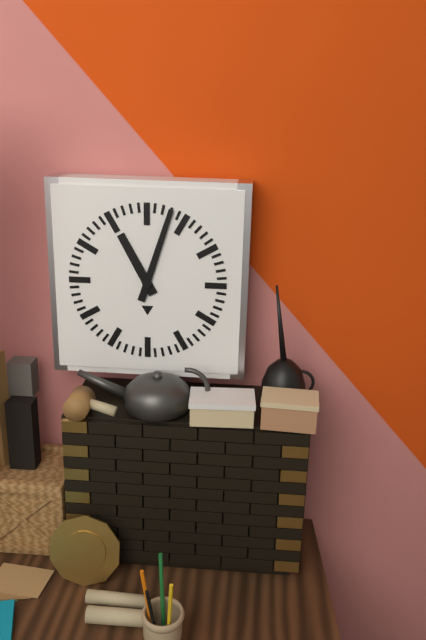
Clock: 11.03
